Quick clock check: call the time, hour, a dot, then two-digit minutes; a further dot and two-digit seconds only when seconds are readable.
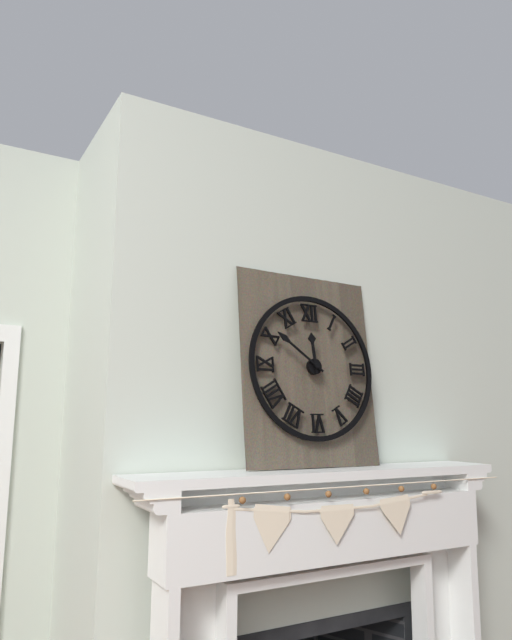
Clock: 11.51
